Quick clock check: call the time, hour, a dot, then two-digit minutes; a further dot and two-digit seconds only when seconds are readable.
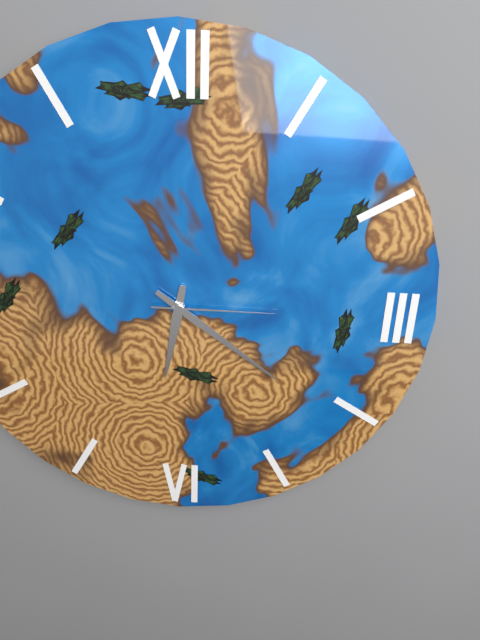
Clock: 6.21.15
